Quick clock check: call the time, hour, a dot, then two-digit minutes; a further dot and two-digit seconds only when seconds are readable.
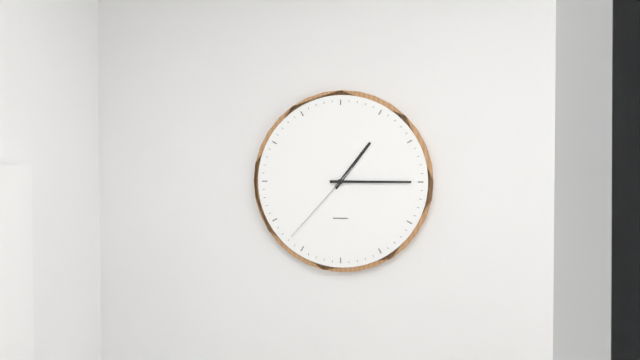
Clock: 1.15.37
